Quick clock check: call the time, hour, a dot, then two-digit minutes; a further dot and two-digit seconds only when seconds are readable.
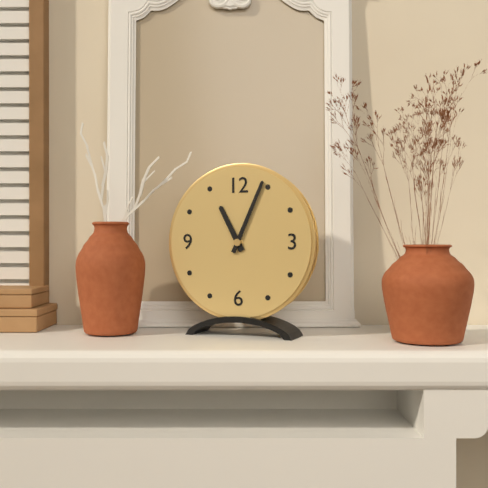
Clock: 11.04
